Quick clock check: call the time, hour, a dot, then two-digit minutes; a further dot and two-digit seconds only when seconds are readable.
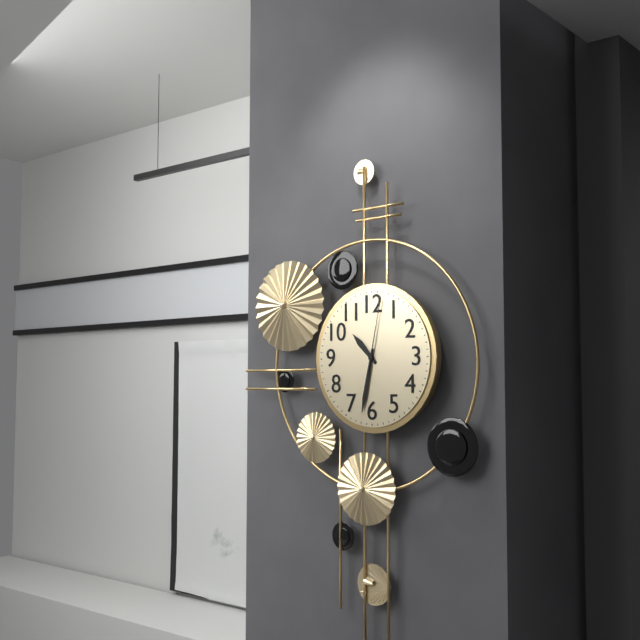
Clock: 10.32.02
